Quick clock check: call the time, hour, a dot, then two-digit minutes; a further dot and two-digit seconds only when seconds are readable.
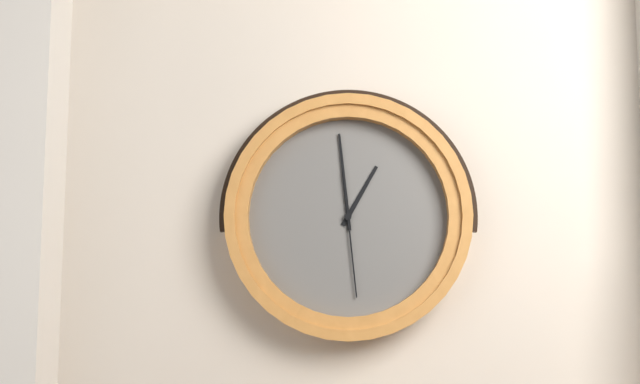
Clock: 12.59.29
